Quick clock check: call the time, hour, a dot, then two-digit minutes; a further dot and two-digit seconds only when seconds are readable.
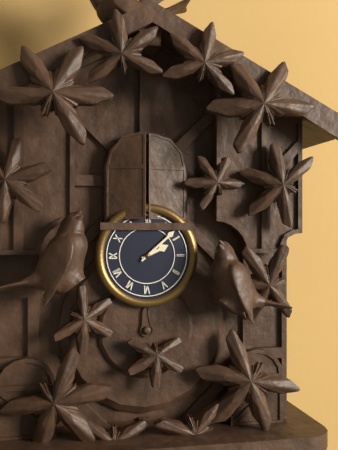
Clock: 2.08
